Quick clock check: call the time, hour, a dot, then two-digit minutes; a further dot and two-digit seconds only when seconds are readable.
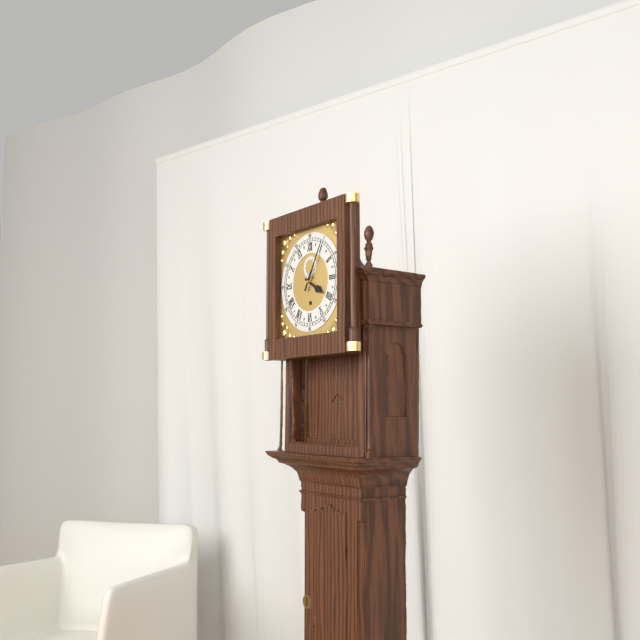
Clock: 4.05
